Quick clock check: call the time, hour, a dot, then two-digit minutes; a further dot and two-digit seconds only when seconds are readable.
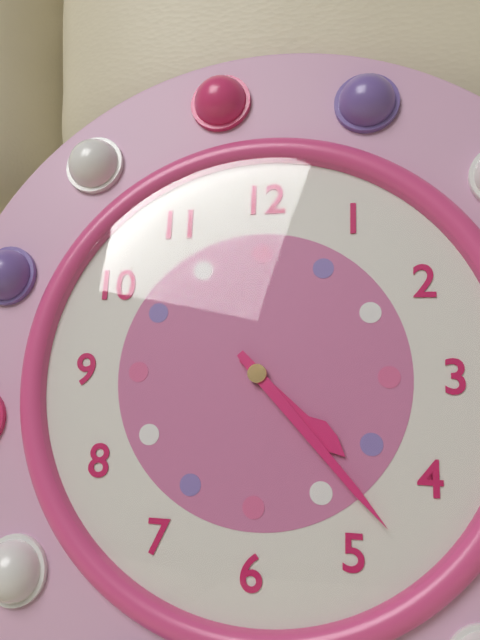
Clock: 4.23
